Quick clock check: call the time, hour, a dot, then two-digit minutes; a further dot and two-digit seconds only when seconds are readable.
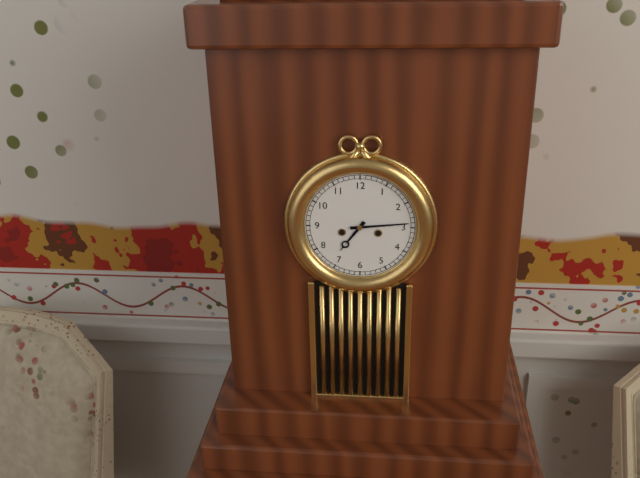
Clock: 7.14
